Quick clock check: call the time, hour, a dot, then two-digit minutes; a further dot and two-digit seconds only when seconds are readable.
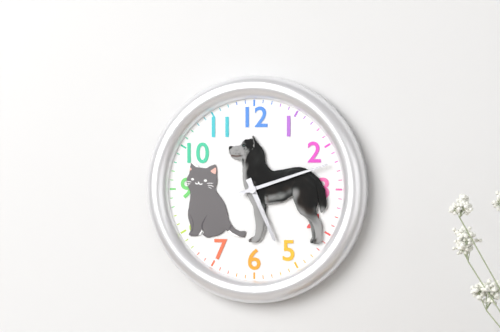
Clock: 5.12
